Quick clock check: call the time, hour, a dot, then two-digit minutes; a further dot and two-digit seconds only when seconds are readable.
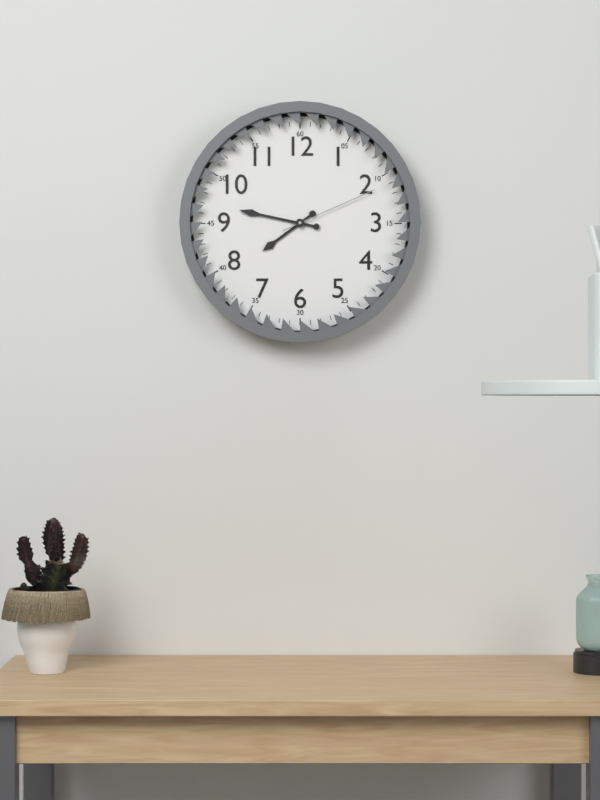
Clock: 7.47.11
